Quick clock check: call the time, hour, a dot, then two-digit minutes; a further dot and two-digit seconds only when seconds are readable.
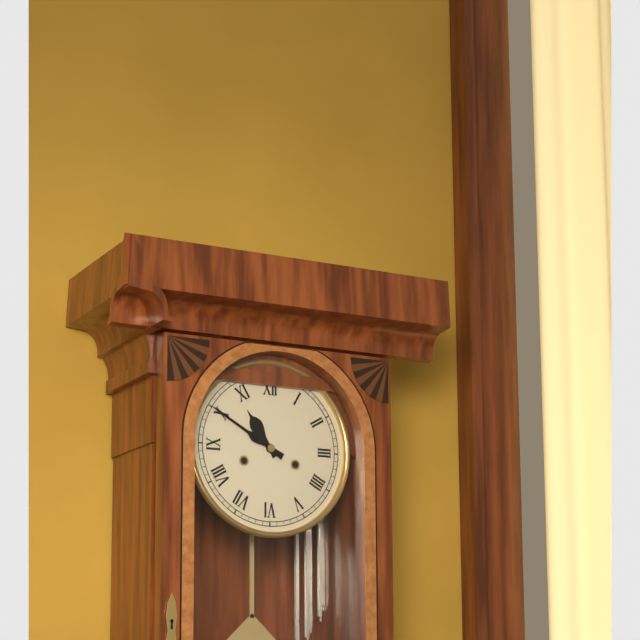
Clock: 10.50
